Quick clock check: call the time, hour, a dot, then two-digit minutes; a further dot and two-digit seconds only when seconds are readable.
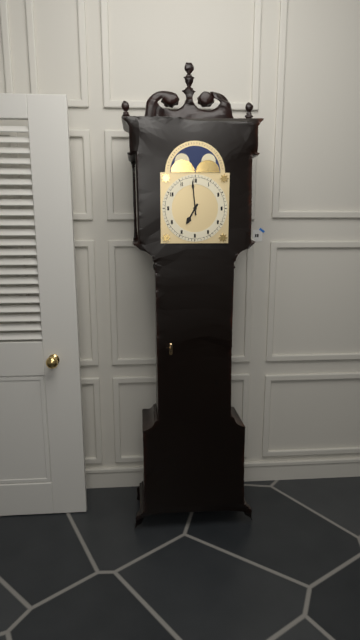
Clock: 6.59
